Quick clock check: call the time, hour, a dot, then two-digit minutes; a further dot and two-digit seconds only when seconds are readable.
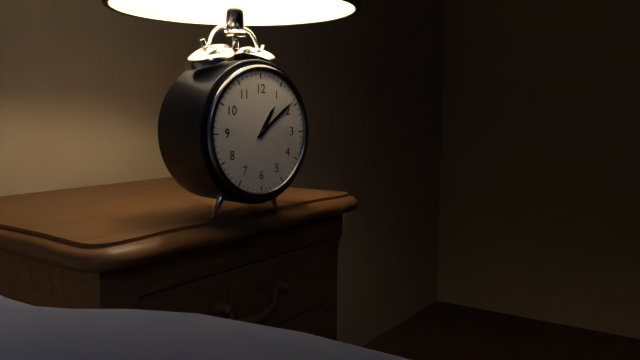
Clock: 1.09
